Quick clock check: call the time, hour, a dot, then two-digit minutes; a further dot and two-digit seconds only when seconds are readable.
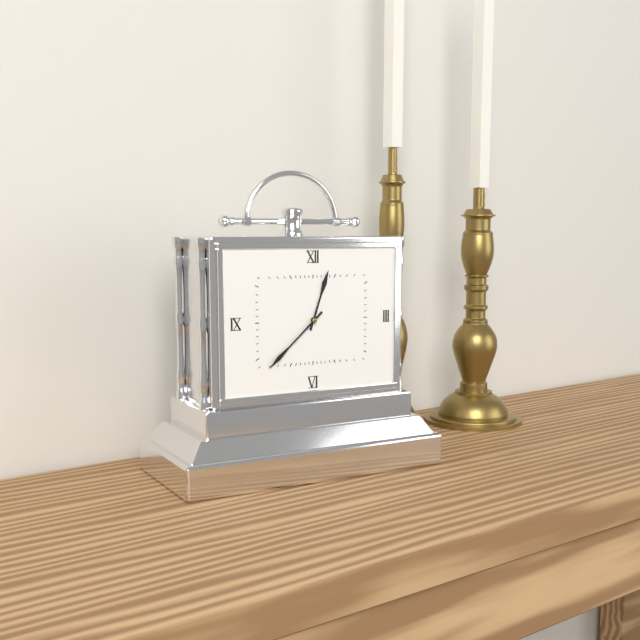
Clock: 12.38
